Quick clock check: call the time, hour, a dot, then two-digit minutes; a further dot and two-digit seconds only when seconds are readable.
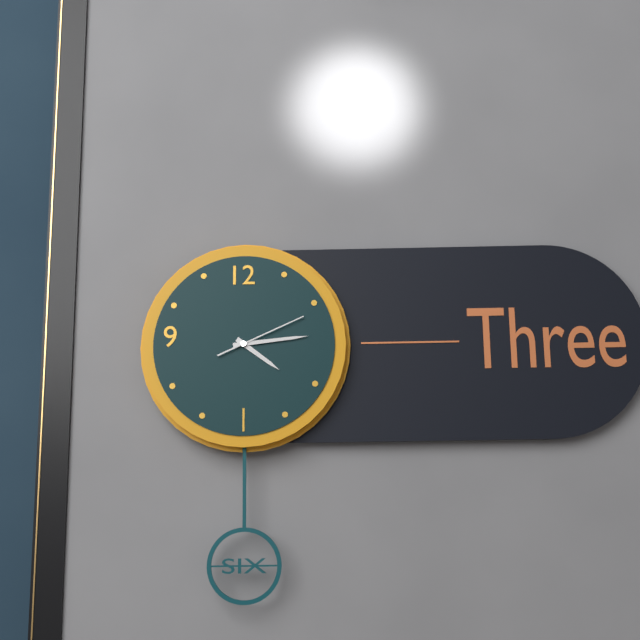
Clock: 4.14.11
